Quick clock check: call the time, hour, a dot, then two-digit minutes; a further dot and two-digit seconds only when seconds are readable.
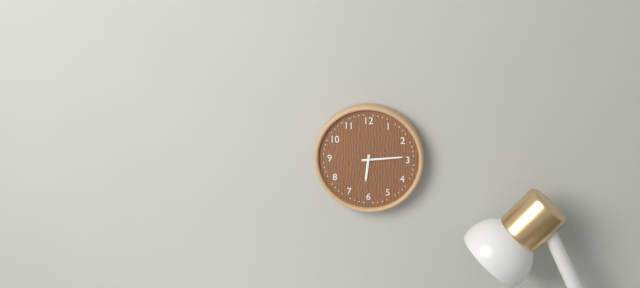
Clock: 6.14
